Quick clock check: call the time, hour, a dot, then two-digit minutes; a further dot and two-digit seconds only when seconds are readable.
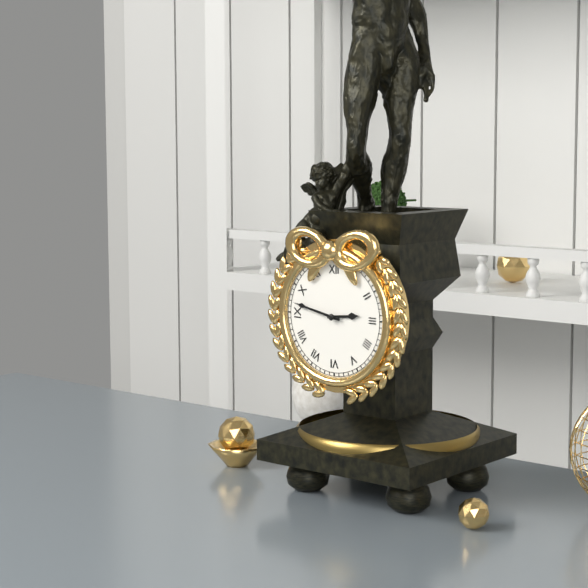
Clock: 2.47
